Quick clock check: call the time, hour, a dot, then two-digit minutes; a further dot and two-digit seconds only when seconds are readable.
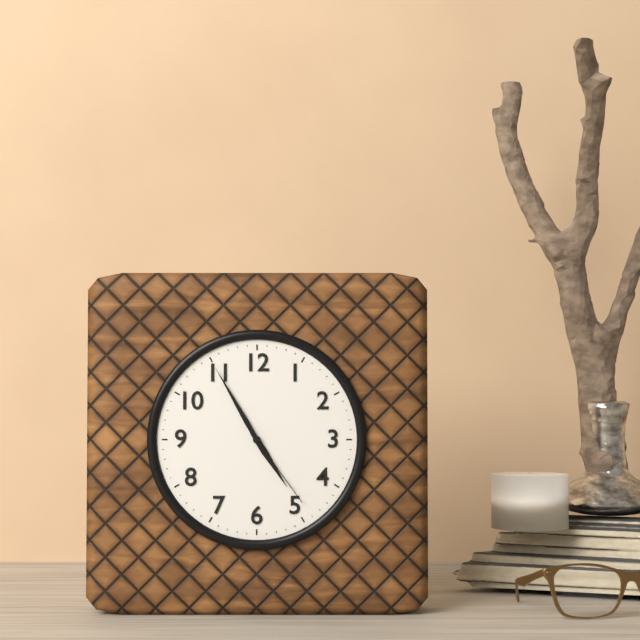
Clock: 4.55.24
